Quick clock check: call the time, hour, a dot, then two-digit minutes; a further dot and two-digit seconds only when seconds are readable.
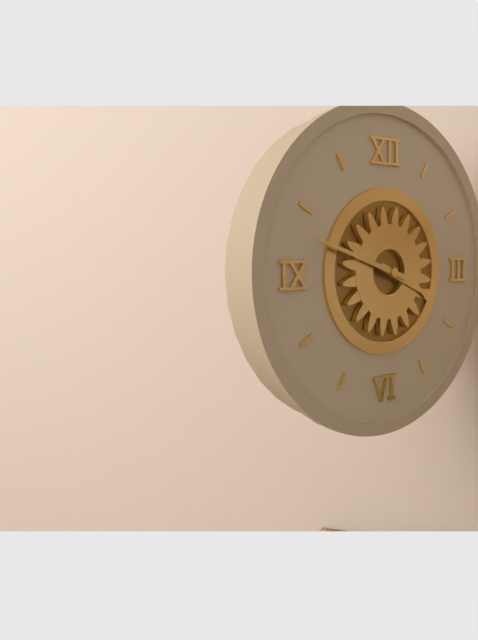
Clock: 3.48
